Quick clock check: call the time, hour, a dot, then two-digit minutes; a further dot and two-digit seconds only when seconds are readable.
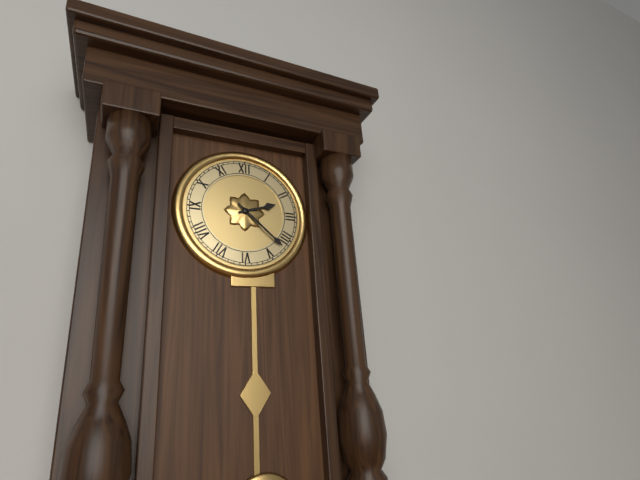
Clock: 2.22
